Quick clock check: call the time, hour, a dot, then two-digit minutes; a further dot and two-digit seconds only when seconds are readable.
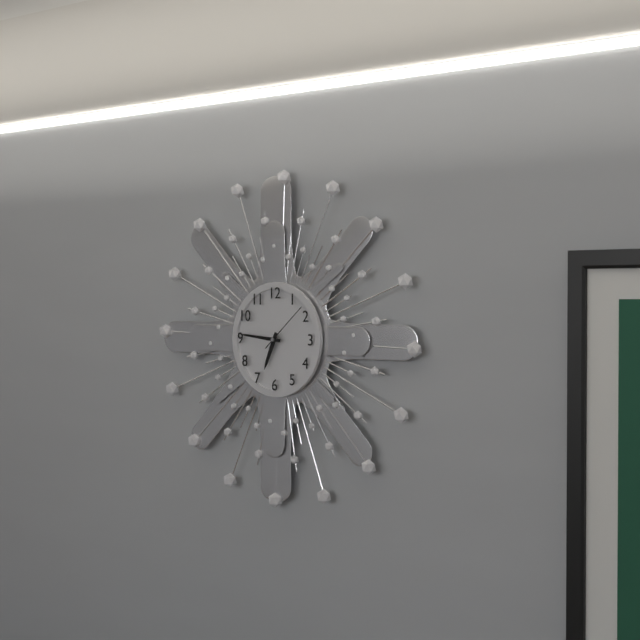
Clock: 6.46.08
